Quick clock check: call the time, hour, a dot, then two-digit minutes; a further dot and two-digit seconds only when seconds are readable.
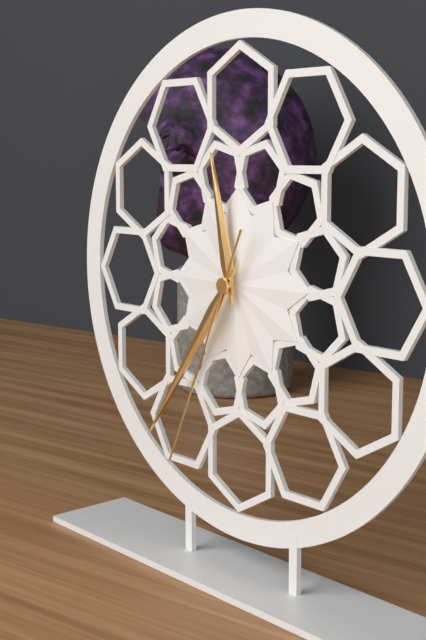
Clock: 11.36.34
